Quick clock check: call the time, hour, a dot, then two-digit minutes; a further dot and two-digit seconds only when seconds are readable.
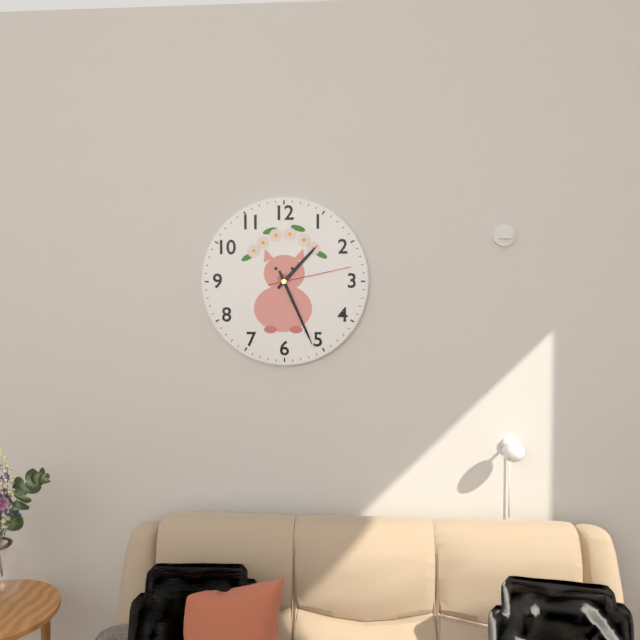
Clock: 1.26.13
